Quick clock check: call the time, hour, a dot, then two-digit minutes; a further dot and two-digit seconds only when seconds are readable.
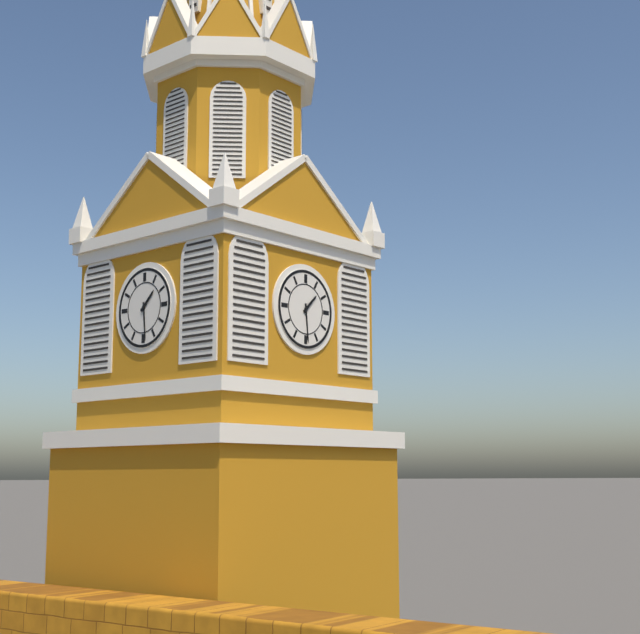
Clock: 1.29
